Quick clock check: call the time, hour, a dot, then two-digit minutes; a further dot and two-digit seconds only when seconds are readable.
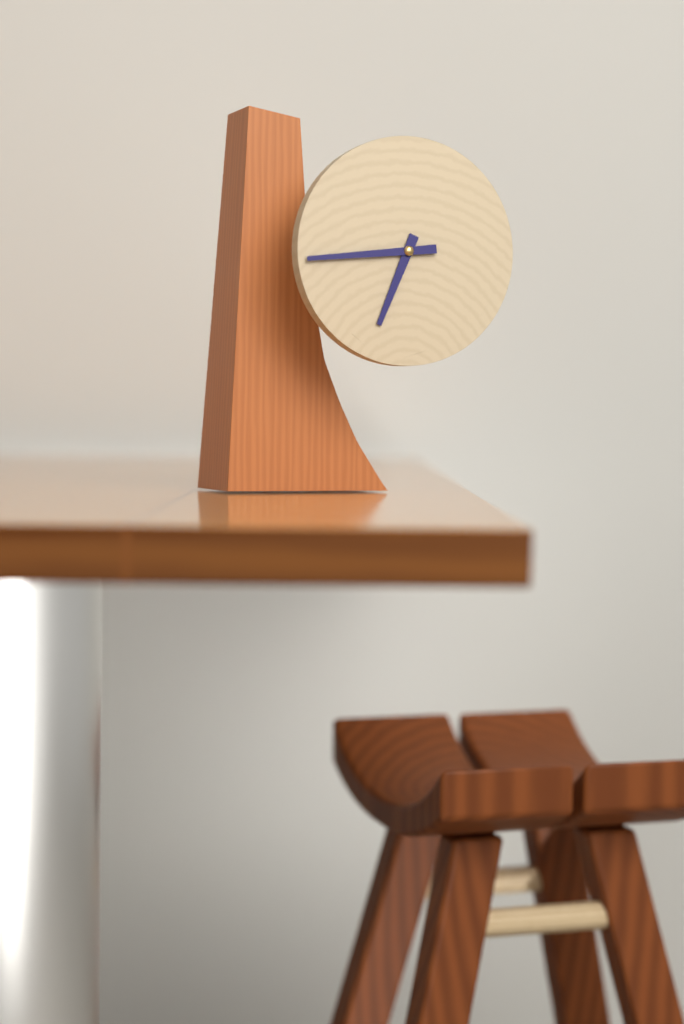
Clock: 6.44
